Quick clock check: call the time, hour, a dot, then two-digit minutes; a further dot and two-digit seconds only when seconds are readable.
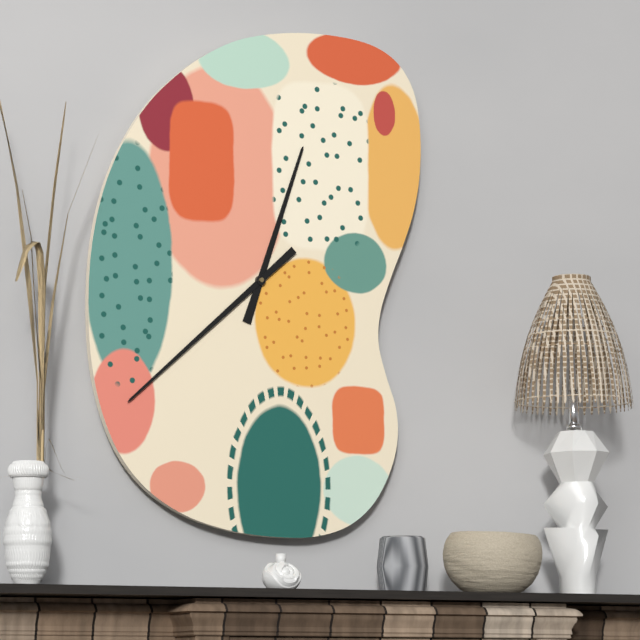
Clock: 12.38
